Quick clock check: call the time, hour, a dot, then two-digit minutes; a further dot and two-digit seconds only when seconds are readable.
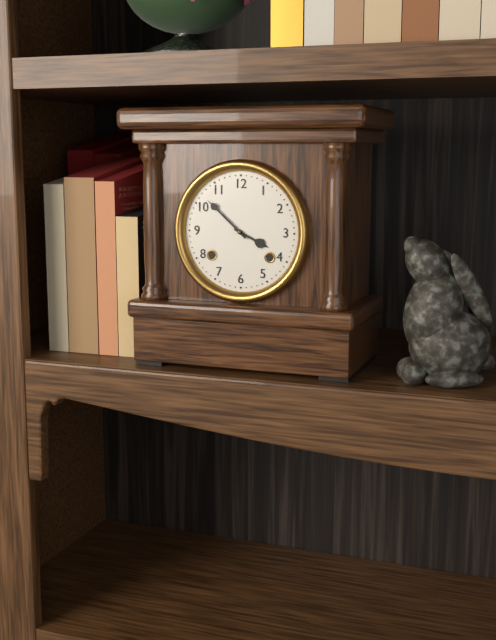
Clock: 3.52
